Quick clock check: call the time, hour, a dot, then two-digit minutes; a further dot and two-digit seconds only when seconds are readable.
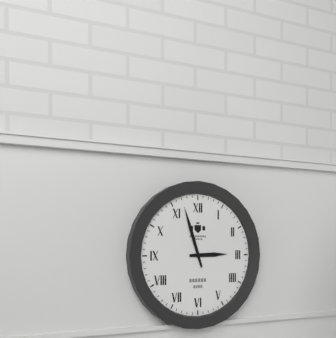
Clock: 2.57
